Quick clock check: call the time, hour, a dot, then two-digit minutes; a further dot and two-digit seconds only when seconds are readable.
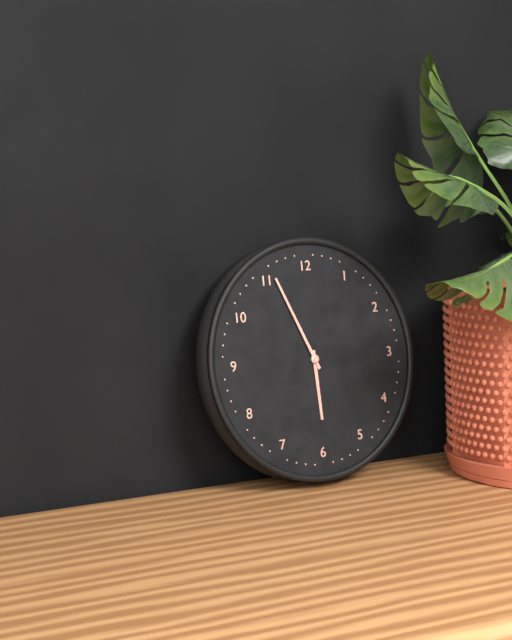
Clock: 5.56
